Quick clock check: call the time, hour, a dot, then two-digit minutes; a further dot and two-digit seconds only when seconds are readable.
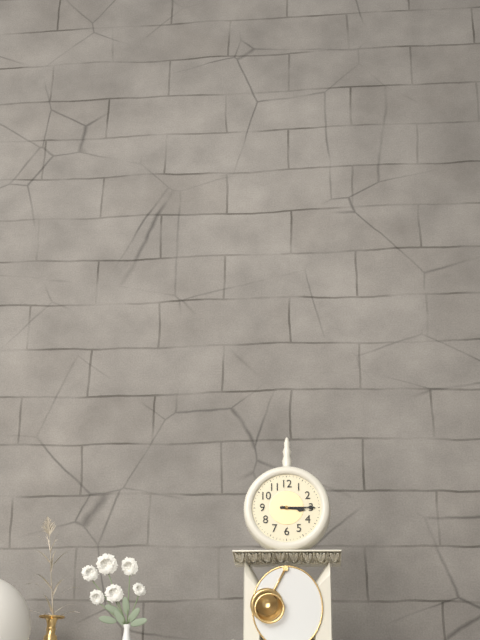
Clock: 3.15
